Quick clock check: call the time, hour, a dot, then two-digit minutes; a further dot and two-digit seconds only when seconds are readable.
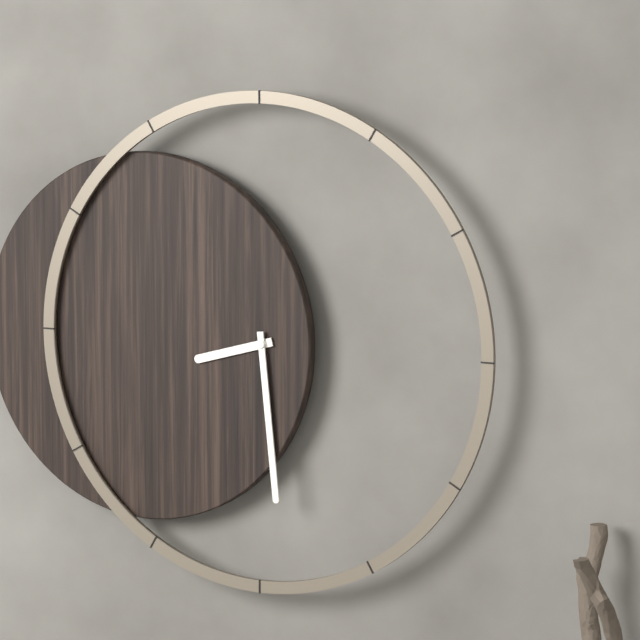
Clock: 8.29
